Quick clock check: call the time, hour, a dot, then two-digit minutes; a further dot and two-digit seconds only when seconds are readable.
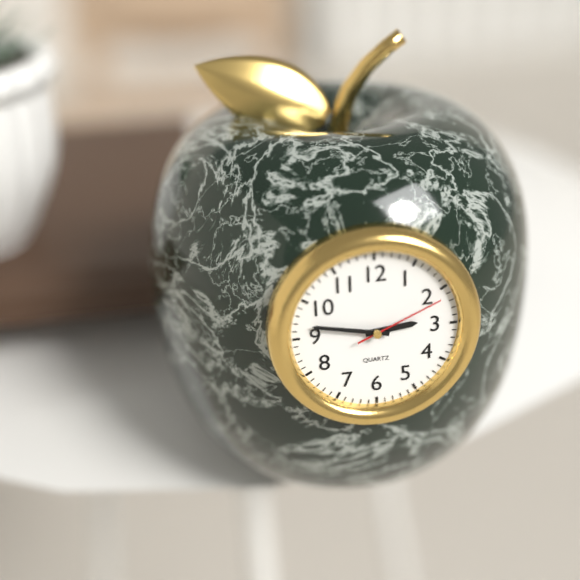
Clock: 2.47.11
